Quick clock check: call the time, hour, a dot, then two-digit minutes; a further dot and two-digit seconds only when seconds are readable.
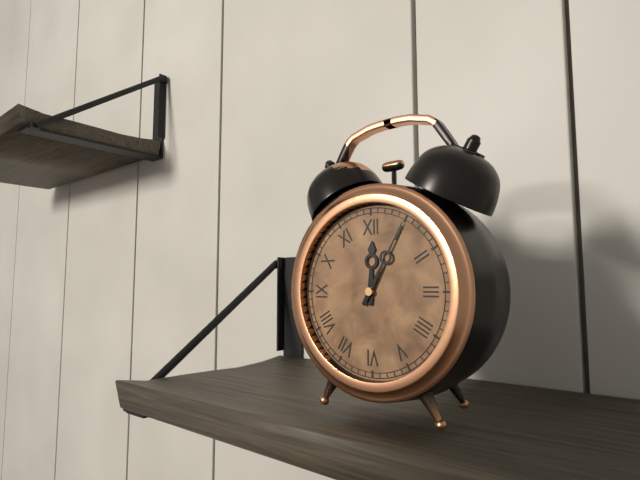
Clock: 12.05
